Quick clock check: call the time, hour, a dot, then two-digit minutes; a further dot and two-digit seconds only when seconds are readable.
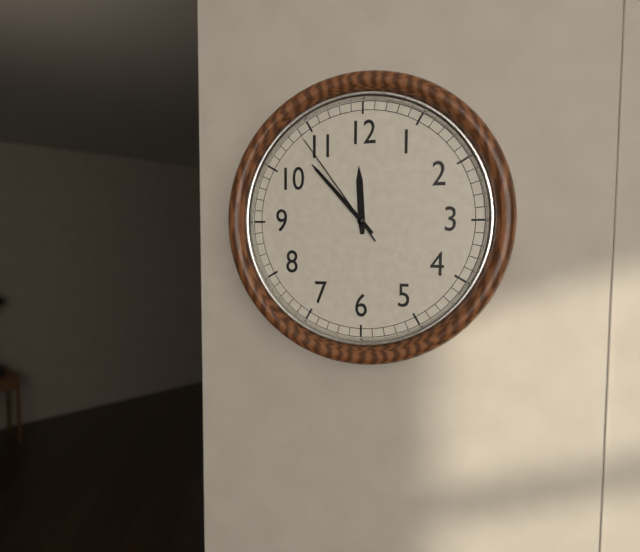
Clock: 11.53.54
